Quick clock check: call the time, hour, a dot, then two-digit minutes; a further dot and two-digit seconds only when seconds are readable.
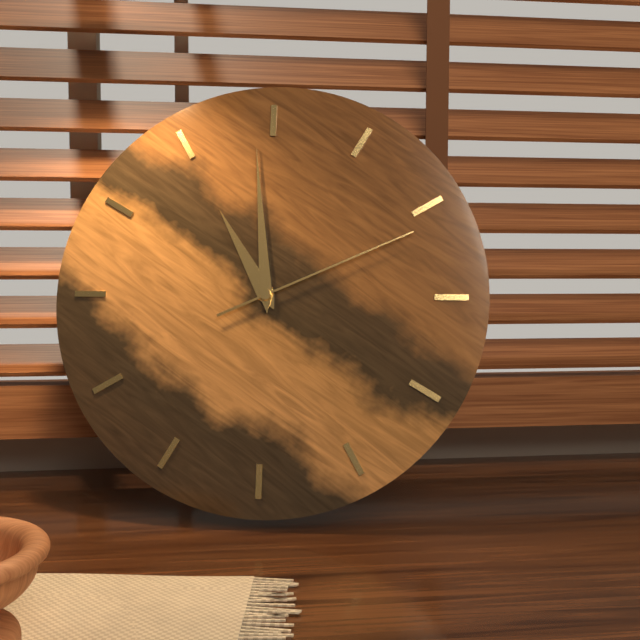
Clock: 10.59.11
